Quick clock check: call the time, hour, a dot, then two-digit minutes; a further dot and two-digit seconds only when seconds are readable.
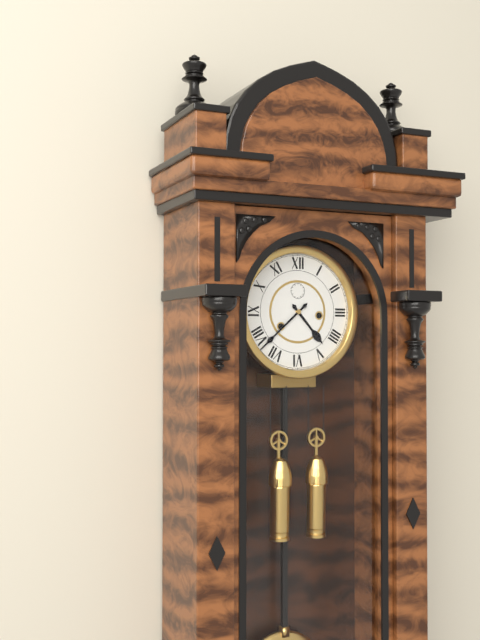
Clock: 4.38
